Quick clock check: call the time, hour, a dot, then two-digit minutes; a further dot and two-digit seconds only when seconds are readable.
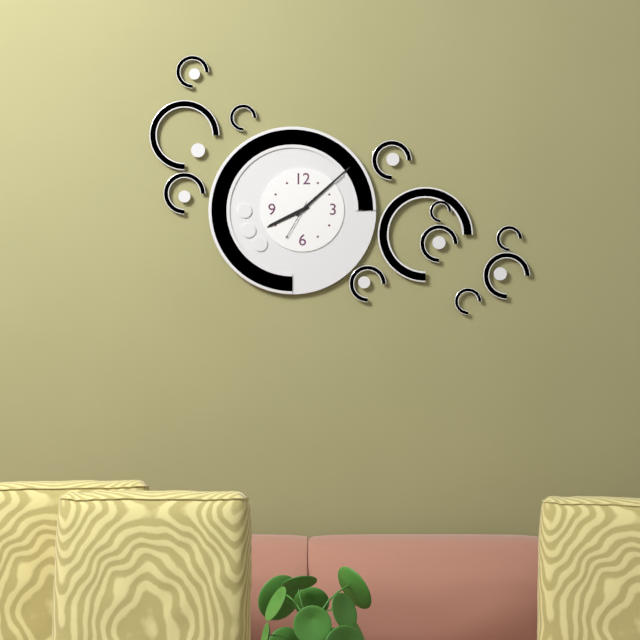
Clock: 8.08
